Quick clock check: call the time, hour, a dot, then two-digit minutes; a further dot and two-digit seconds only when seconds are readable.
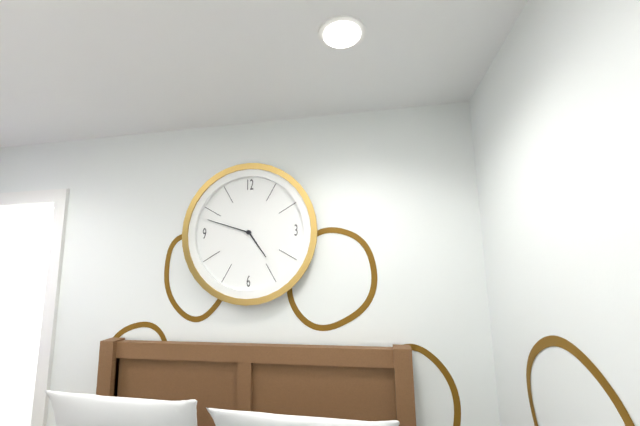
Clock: 4.48
